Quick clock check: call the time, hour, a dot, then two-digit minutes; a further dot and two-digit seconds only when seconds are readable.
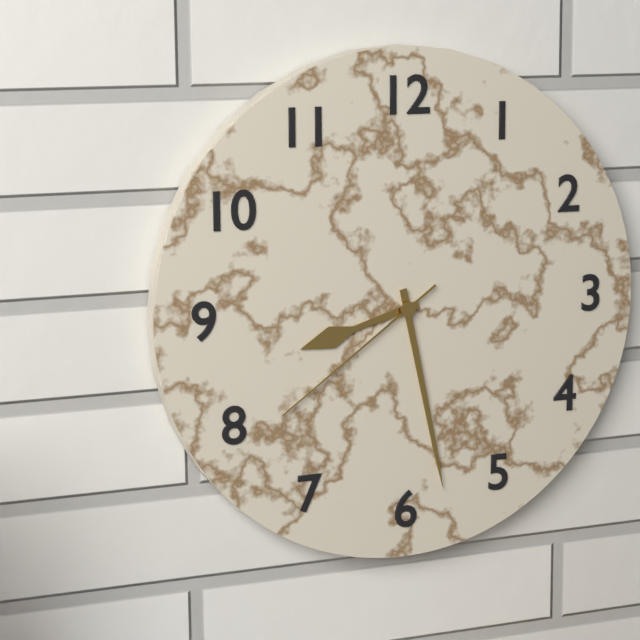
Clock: 8.28.39
